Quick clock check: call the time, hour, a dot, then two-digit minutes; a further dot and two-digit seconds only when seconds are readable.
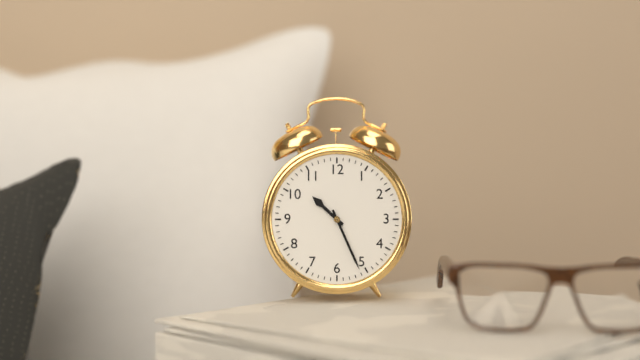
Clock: 10.26
